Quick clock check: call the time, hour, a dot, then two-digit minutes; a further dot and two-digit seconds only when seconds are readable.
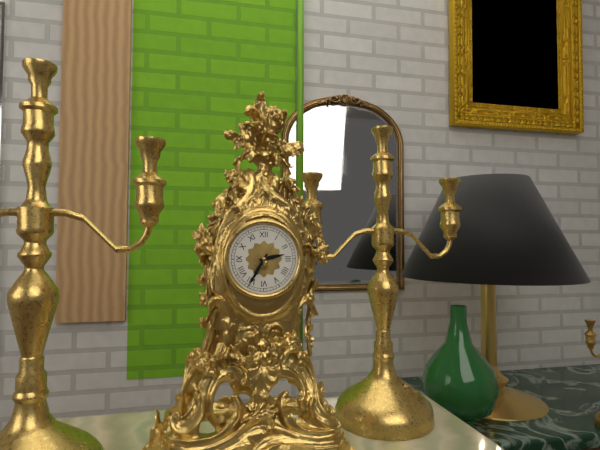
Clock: 2.35
